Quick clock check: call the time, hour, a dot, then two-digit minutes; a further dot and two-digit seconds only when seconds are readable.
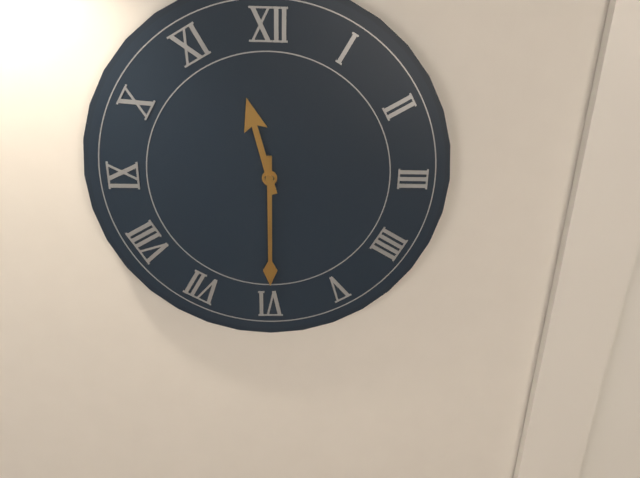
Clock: 11.30
